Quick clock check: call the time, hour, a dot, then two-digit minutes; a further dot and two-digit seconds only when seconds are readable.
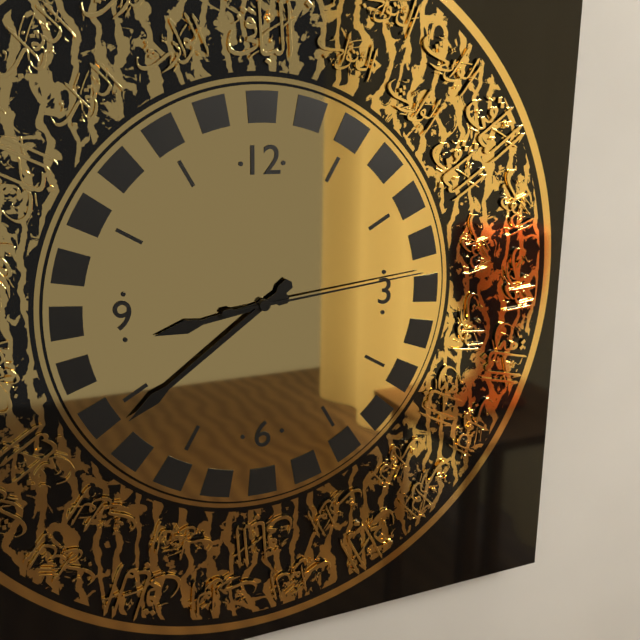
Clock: 8.39.14
